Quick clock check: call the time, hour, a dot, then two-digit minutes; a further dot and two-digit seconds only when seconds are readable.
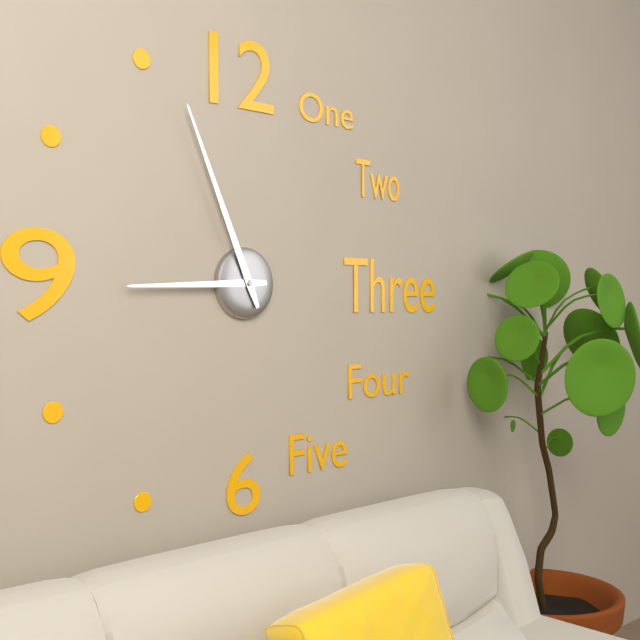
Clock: 8.56
